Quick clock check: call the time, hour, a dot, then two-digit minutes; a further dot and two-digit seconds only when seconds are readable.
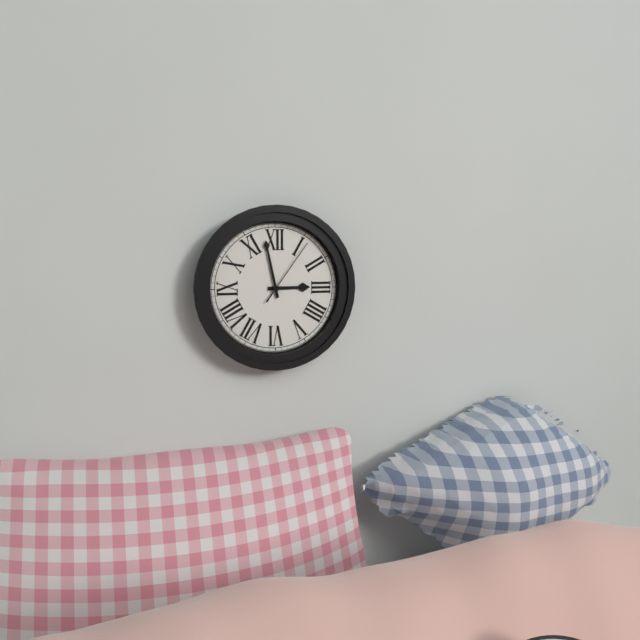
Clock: 2.58.06
